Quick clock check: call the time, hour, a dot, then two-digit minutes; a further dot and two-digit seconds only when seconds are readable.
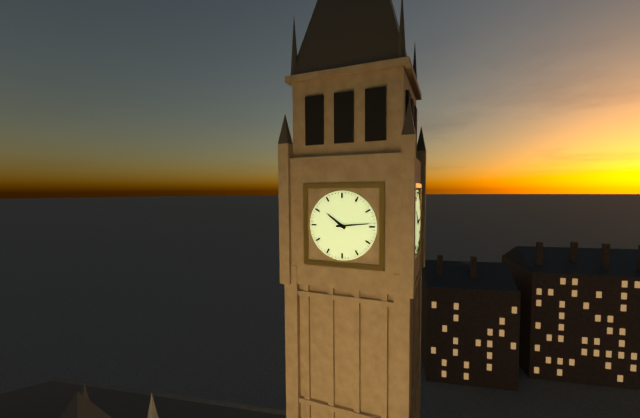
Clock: 10.14
